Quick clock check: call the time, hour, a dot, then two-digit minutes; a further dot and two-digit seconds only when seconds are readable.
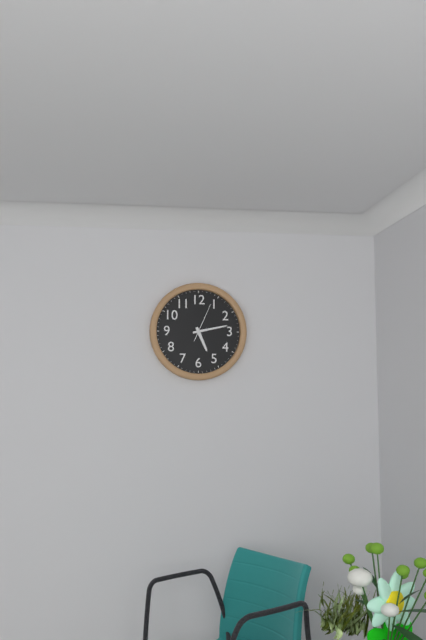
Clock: 5.13
